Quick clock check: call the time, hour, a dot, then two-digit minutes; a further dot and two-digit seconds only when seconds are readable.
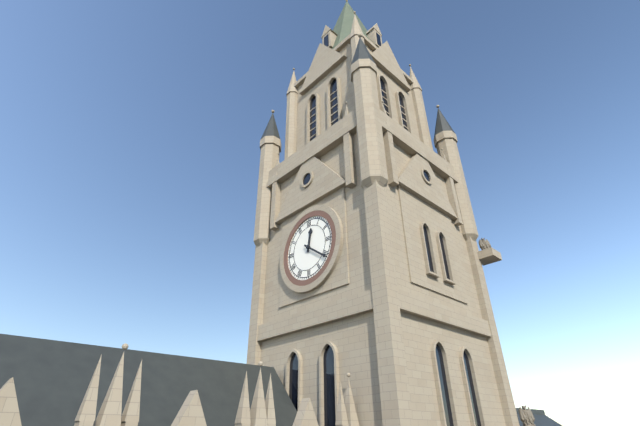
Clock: 12.21
